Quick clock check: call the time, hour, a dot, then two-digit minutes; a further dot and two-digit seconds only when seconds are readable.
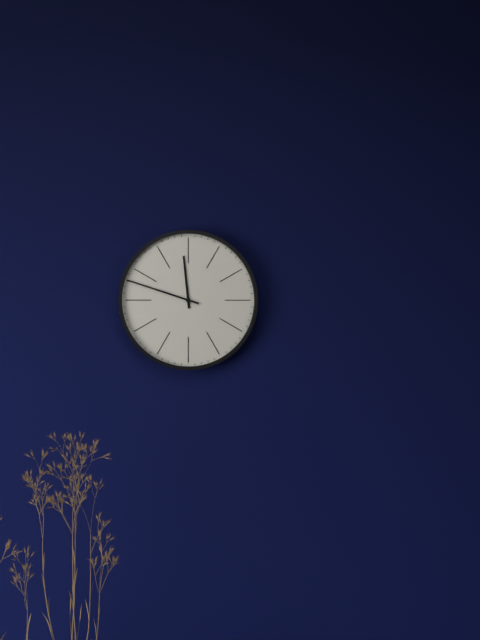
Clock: 11.48
